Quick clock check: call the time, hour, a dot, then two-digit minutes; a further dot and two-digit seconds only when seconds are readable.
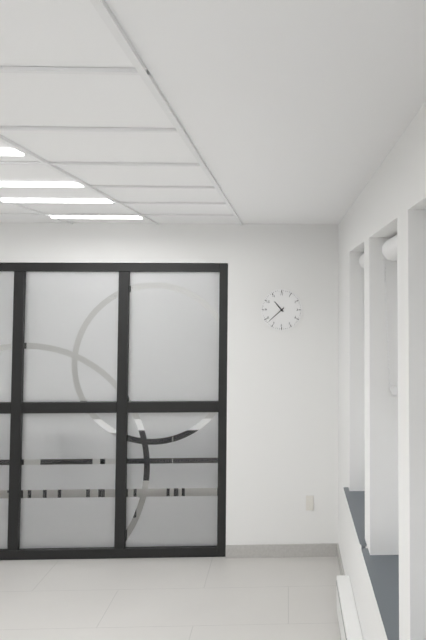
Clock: 10.38
